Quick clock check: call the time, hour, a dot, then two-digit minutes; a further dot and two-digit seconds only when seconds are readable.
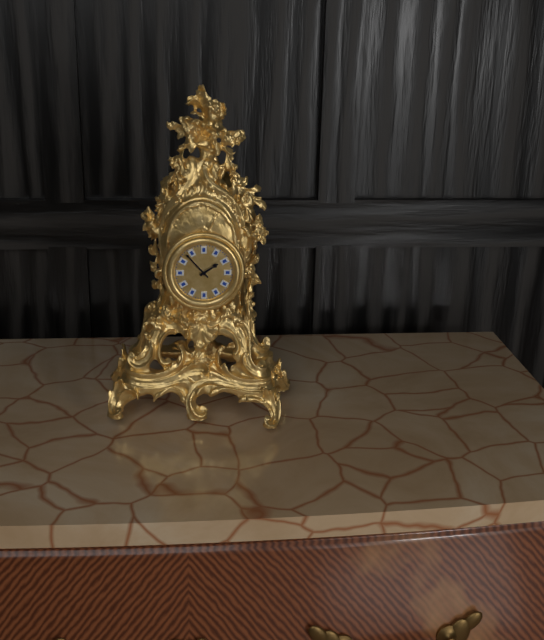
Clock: 1.53
